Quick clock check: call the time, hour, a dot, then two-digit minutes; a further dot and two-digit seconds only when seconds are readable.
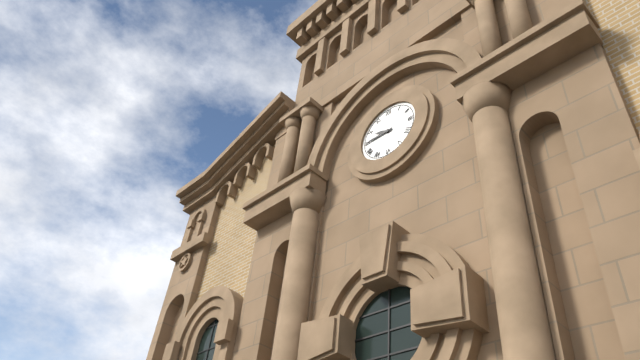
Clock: 9.45
